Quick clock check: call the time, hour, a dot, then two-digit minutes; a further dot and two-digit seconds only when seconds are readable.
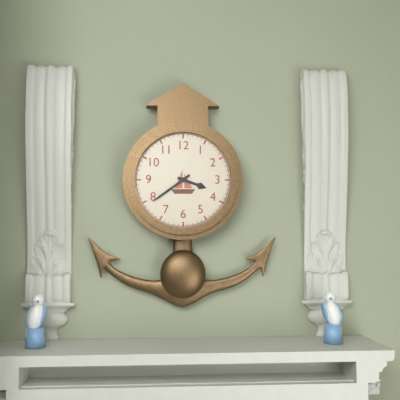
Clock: 3.39
